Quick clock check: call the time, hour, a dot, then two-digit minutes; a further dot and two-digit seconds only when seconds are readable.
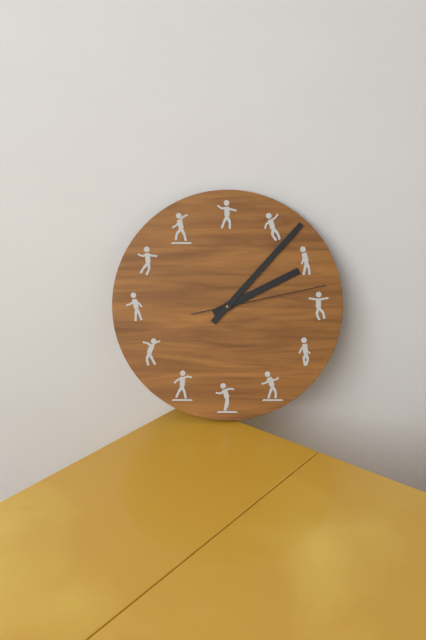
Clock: 2.07.13
